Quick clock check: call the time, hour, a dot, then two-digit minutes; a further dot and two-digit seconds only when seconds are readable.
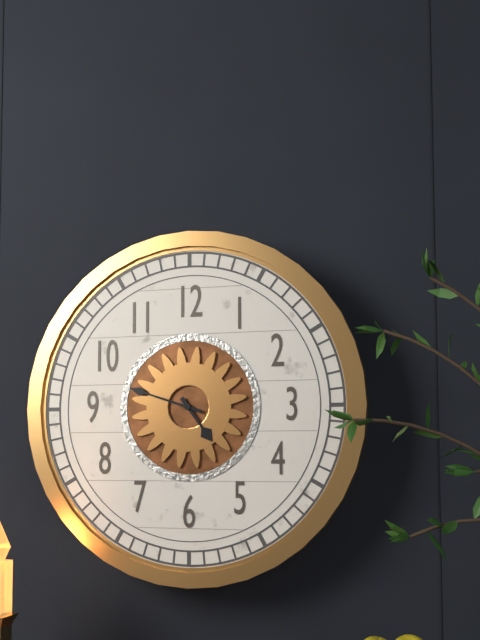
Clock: 4.48
